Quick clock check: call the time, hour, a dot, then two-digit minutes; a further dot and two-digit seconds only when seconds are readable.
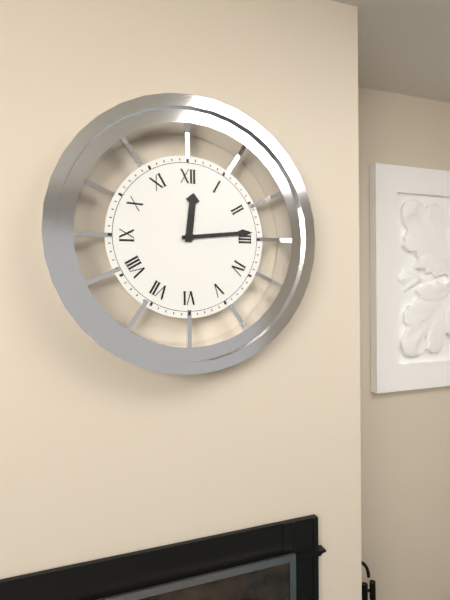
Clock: 12.14
